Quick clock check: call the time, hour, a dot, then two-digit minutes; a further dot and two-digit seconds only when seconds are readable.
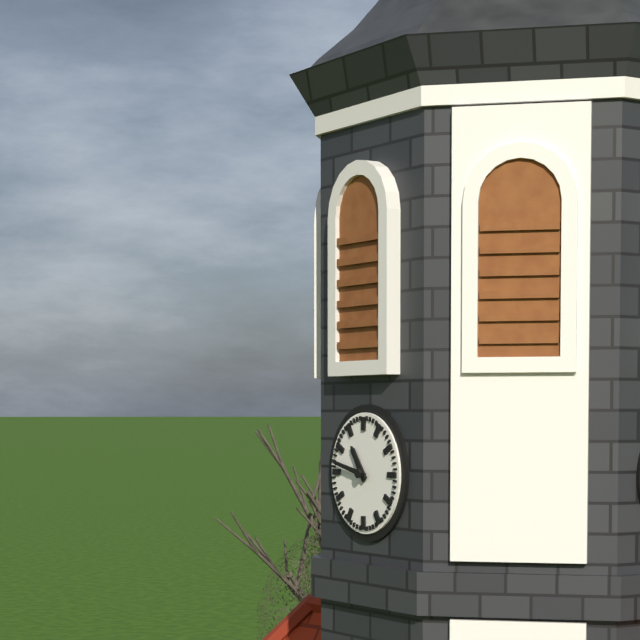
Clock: 10.47
